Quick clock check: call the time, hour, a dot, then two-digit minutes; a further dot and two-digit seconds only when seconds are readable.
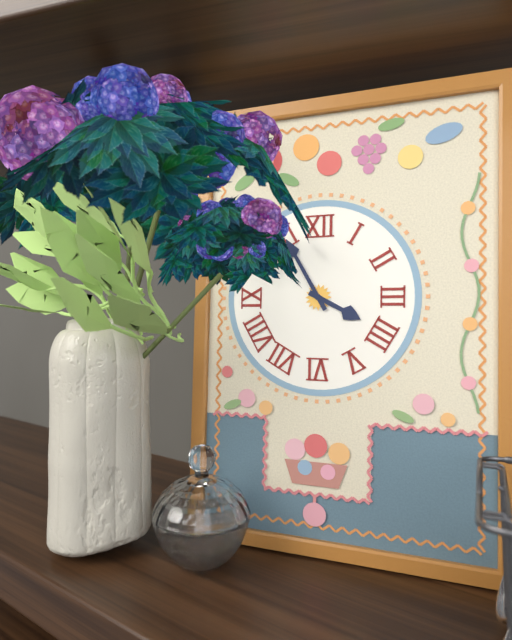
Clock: 3.55
